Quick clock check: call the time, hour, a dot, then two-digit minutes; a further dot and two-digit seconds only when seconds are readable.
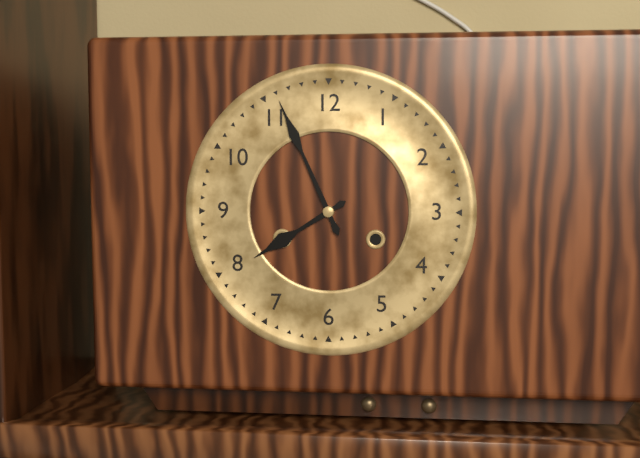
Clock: 7.56
